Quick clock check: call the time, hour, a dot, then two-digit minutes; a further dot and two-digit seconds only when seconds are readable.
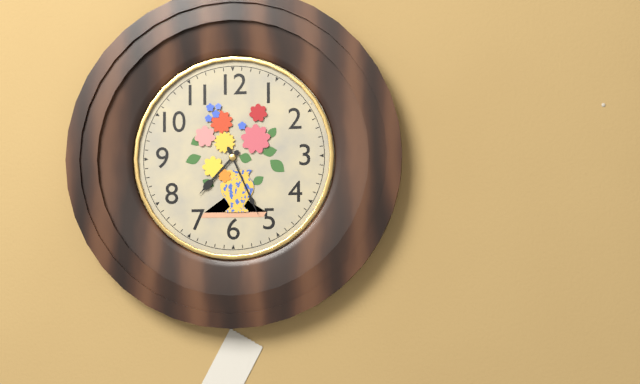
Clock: 7.26
